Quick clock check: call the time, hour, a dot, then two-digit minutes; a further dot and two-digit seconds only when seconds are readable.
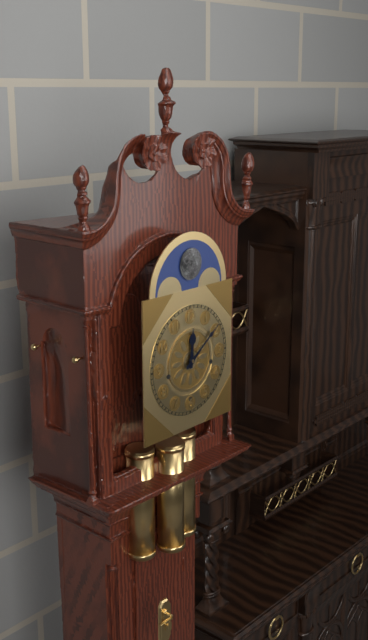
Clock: 12.09
